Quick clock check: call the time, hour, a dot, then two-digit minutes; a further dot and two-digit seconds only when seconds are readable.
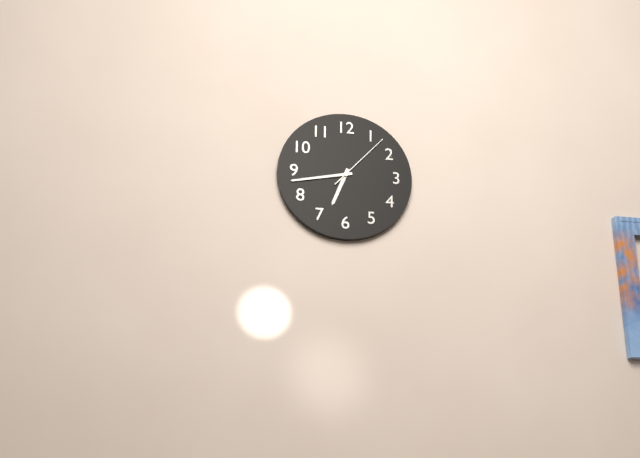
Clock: 6.43.07
